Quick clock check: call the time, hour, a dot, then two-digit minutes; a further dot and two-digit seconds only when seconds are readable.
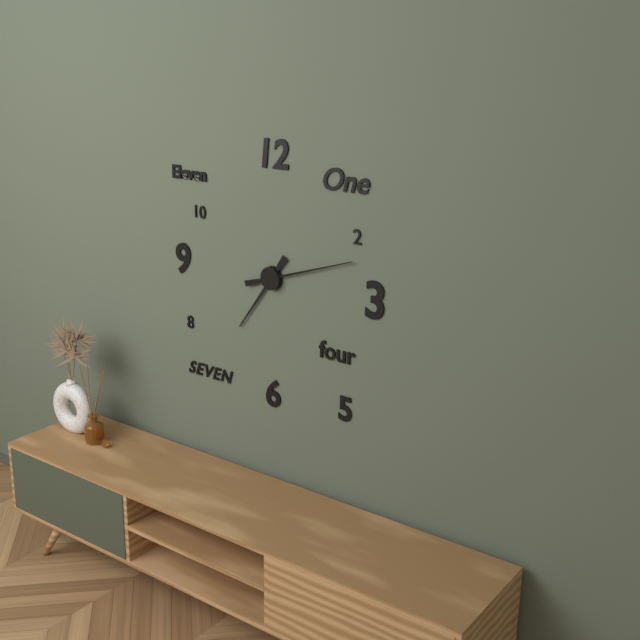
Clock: 7.12
